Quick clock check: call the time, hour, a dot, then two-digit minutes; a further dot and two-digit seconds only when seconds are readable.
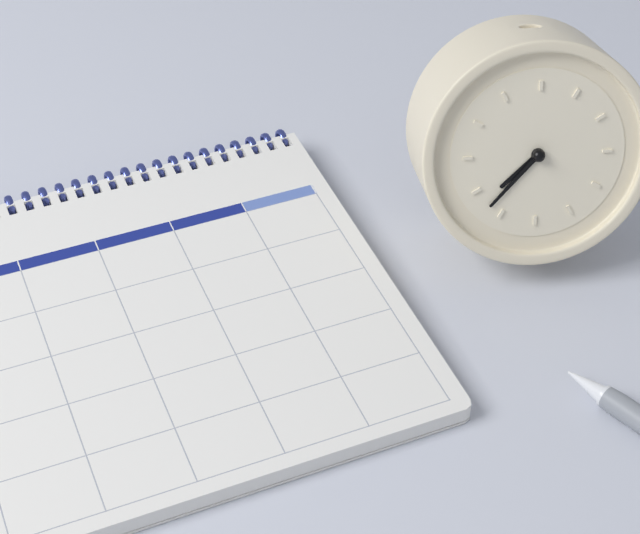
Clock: 7.37
